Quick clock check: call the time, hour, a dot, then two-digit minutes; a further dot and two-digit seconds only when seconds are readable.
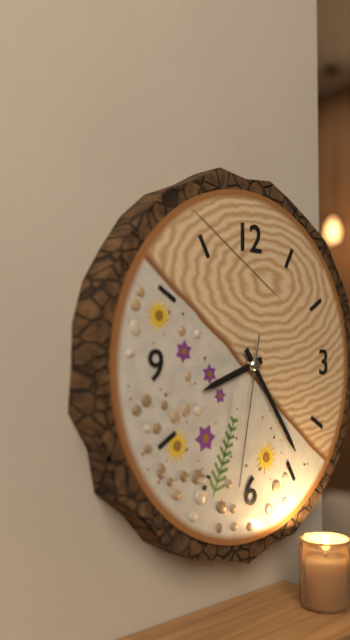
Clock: 8.24.32
